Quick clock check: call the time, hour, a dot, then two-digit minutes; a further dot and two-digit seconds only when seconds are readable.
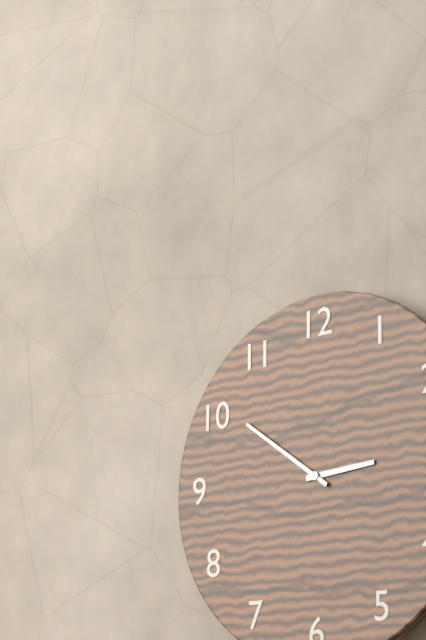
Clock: 2.51
